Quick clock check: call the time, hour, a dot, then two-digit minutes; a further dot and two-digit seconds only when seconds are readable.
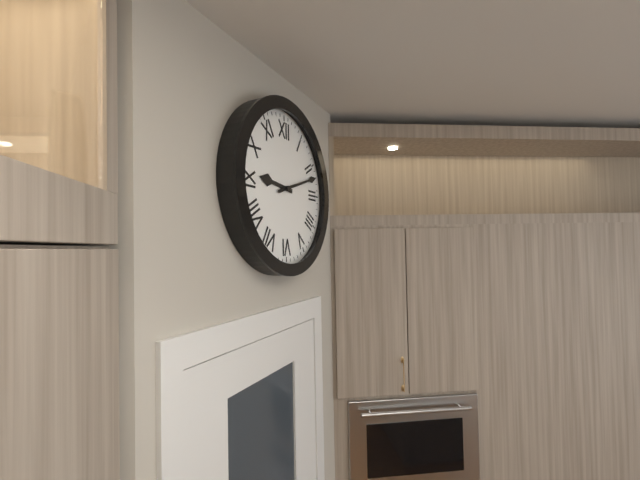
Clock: 9.12
